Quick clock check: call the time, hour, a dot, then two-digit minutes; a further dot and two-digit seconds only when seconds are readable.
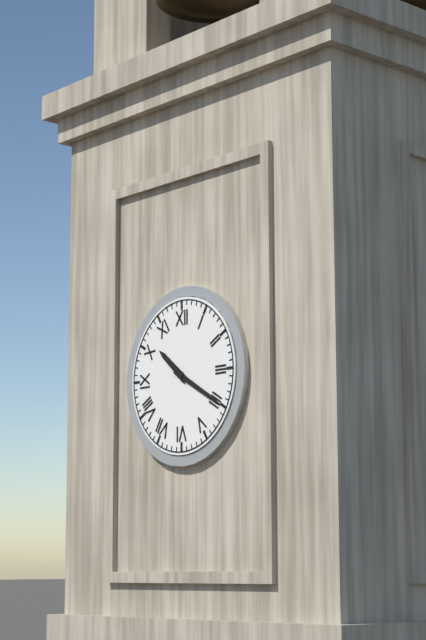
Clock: 10.20
